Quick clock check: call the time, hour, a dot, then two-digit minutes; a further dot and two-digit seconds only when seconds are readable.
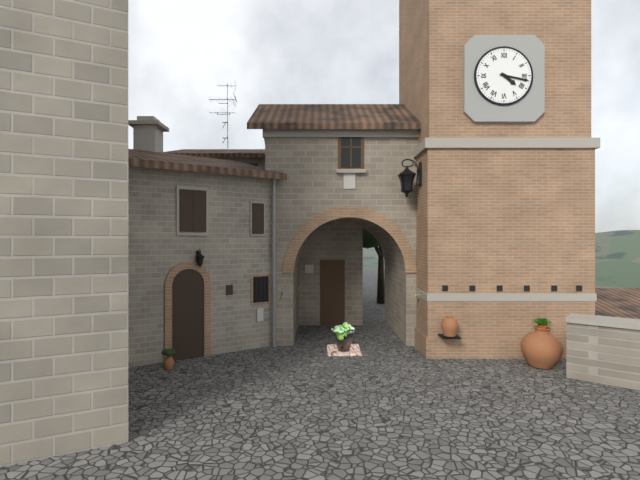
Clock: 4.17
